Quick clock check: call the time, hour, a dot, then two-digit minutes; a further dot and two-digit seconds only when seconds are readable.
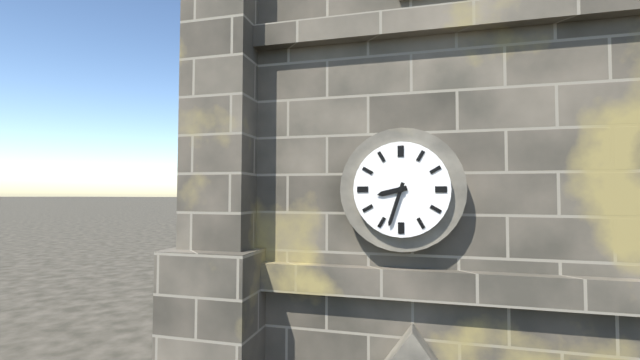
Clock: 8.33
